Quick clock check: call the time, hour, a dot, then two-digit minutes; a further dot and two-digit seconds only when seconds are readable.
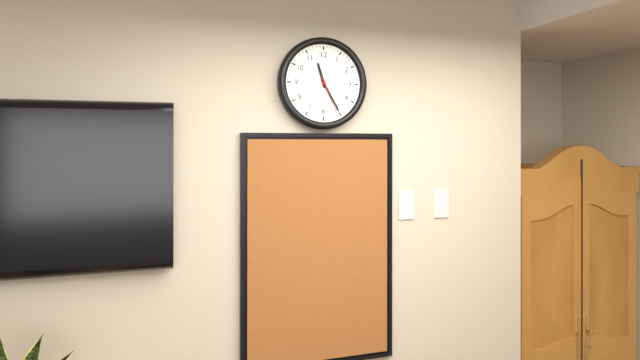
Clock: 11.25
